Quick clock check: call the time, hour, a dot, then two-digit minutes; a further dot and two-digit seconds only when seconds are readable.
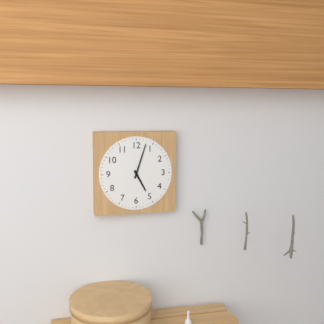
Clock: 5.03
